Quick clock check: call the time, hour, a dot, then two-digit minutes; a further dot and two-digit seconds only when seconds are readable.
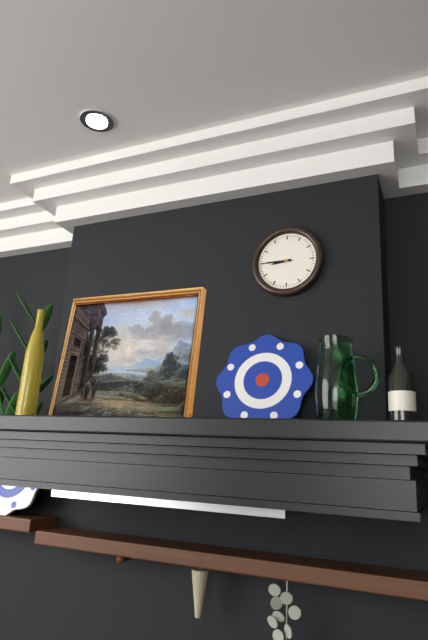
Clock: 8.45
